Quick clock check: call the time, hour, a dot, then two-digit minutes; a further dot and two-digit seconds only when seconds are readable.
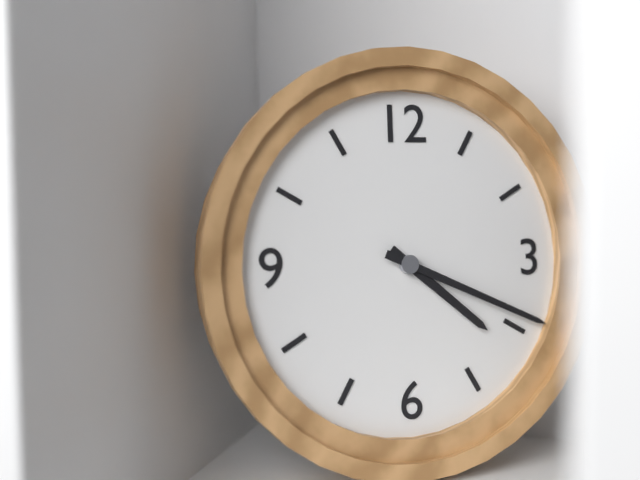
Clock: 4.19
